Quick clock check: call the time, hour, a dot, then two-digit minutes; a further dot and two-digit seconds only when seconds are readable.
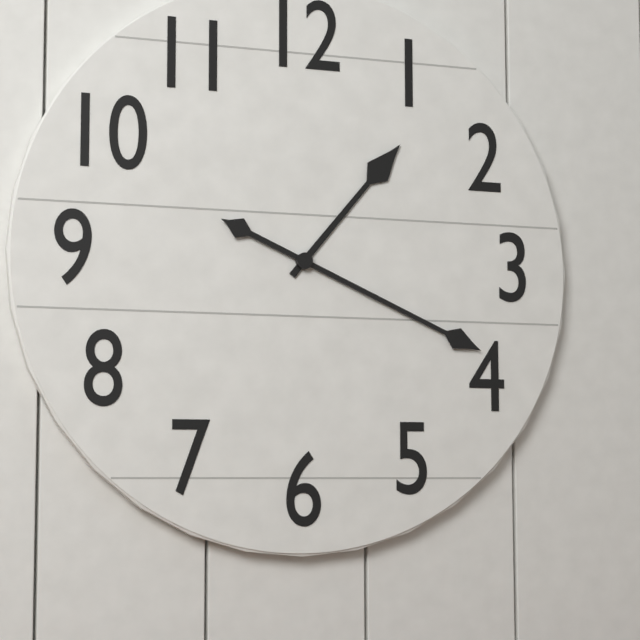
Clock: 1.19
